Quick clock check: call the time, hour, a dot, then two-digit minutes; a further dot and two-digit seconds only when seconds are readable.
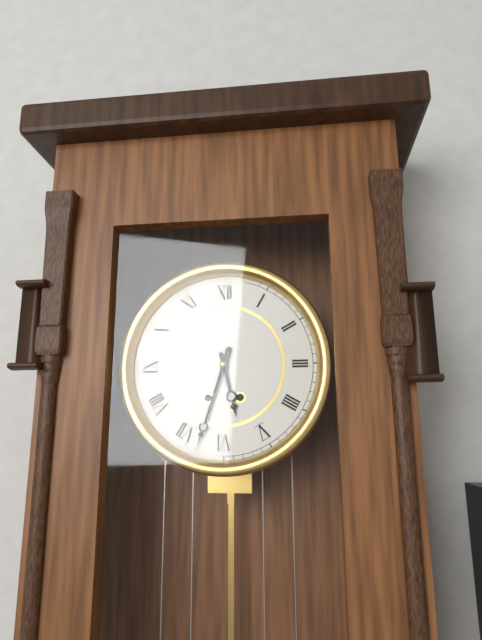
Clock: 5.33
